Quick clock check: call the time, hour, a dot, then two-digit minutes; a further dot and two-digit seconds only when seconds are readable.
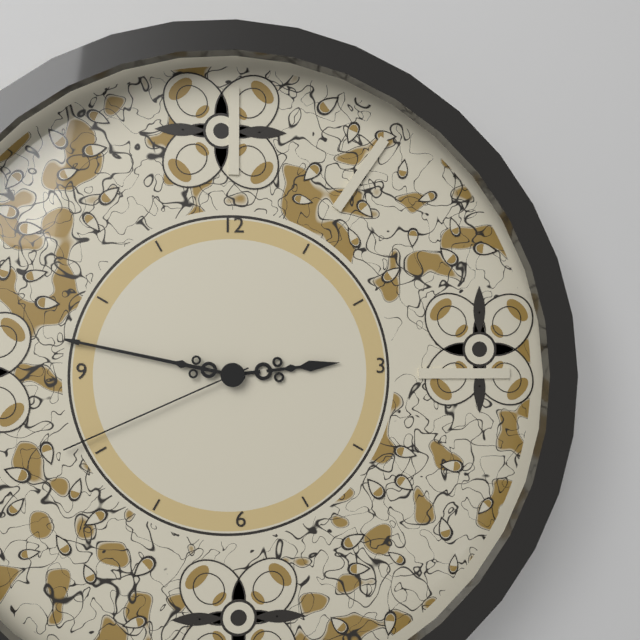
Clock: 2.47.41
